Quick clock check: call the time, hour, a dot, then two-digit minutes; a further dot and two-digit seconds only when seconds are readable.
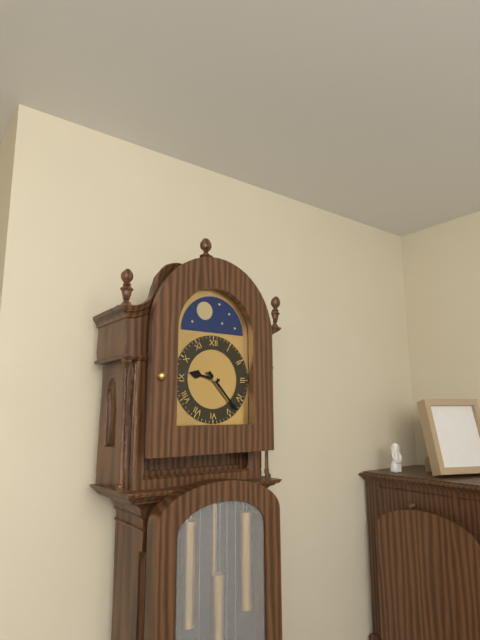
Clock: 9.23
